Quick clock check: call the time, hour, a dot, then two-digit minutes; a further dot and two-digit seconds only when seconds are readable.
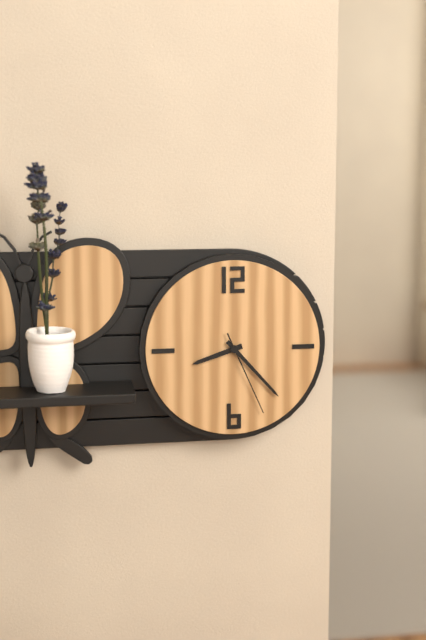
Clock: 8.23.26
